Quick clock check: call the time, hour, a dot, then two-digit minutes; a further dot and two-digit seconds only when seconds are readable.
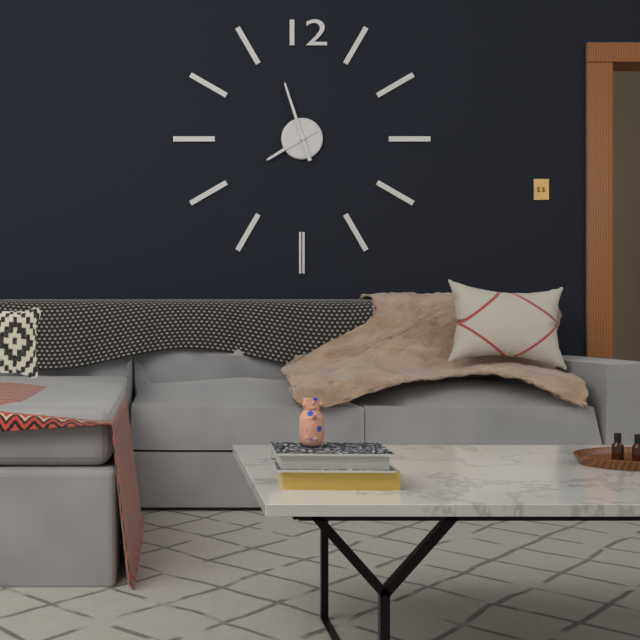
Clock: 7.57
